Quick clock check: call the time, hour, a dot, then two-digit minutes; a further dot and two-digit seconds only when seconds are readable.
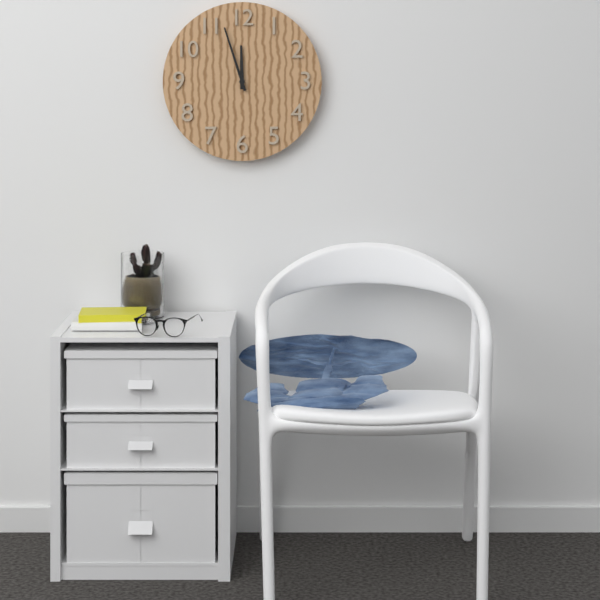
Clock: 11.57
